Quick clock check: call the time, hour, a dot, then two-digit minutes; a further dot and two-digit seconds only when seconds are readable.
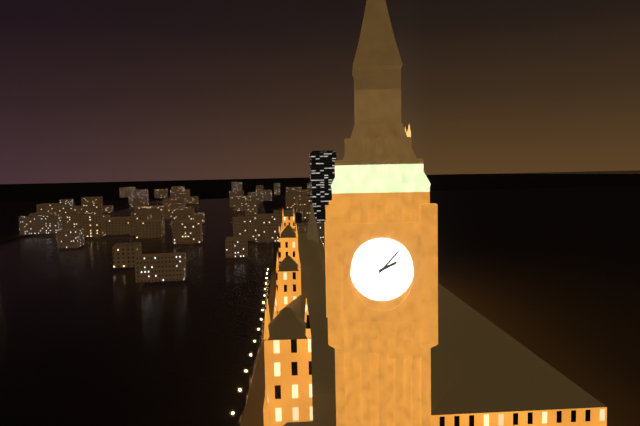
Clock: 2.07
